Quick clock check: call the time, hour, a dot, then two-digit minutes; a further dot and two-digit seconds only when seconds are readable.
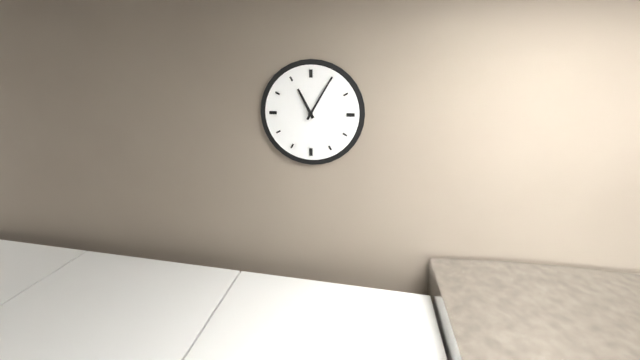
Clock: 11.05
